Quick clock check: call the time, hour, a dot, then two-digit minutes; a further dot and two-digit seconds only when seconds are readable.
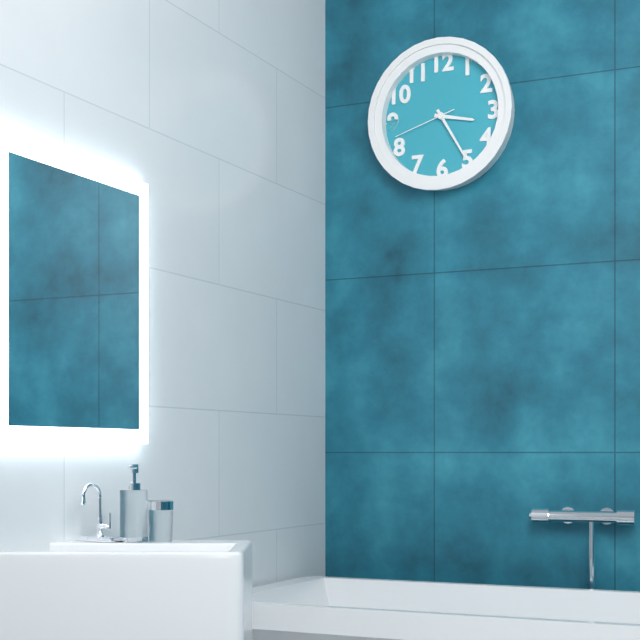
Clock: 3.25.42
